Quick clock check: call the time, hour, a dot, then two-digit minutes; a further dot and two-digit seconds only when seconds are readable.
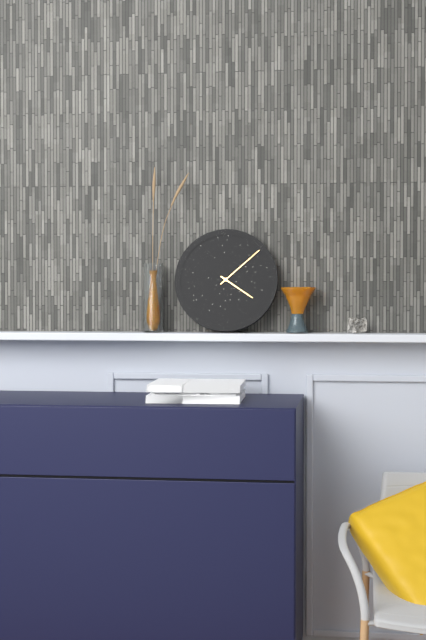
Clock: 4.08
